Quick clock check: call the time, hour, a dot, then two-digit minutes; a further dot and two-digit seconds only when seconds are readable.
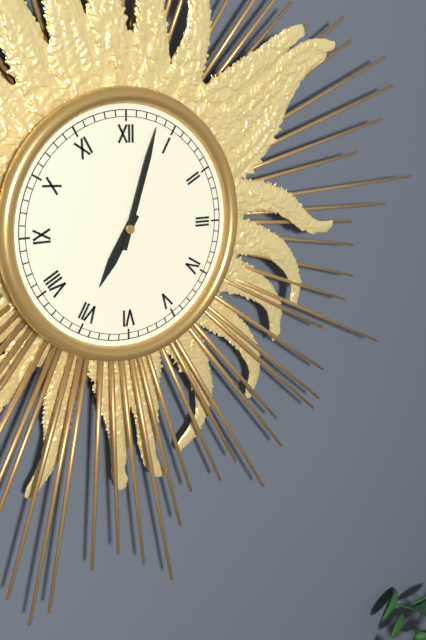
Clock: 7.03
